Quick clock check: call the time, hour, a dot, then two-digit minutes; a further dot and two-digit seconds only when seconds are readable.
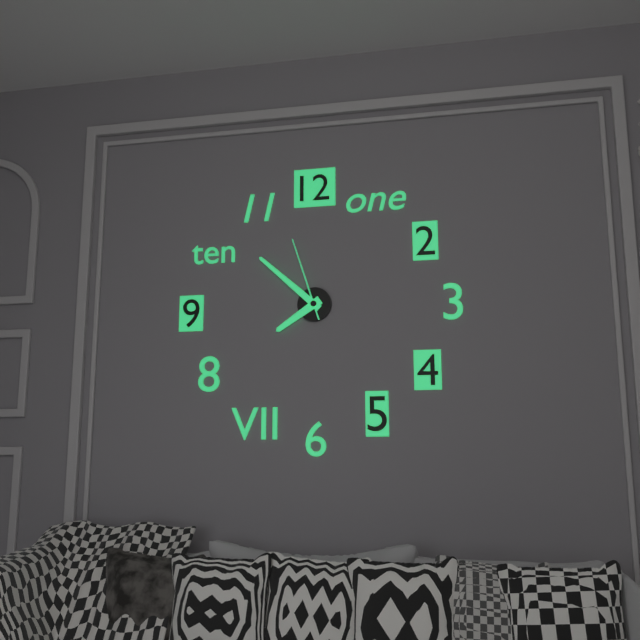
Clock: 7.52.57
